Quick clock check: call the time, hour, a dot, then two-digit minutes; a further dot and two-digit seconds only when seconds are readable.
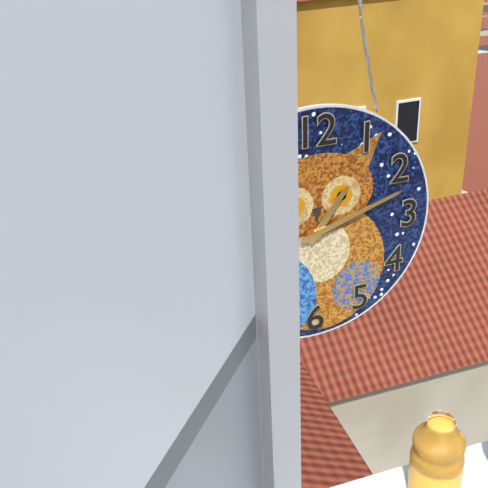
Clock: 1.12
